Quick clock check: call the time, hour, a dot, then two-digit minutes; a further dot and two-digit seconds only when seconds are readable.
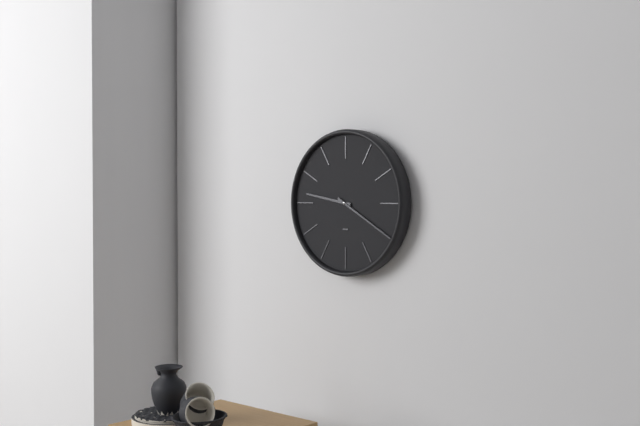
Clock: 9.20
